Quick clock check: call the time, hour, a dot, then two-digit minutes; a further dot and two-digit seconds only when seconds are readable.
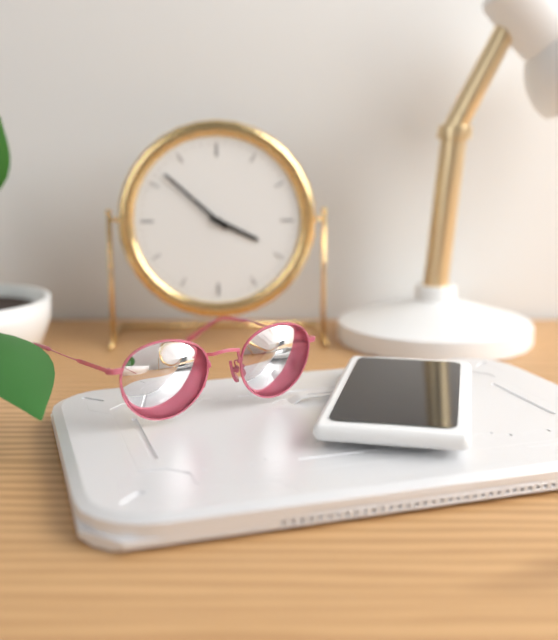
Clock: 3.52
